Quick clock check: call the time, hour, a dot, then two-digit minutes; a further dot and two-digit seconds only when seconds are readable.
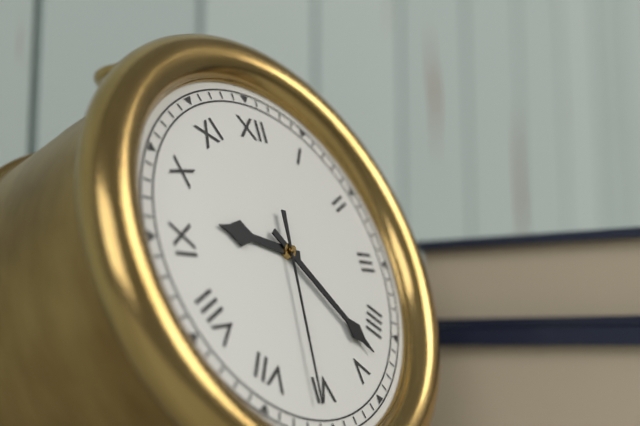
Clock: 9.23.31
